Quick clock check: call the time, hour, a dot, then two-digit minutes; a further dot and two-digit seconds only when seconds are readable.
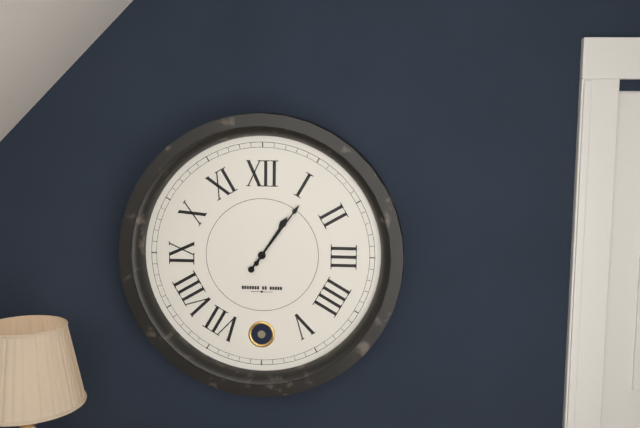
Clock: 1.06
